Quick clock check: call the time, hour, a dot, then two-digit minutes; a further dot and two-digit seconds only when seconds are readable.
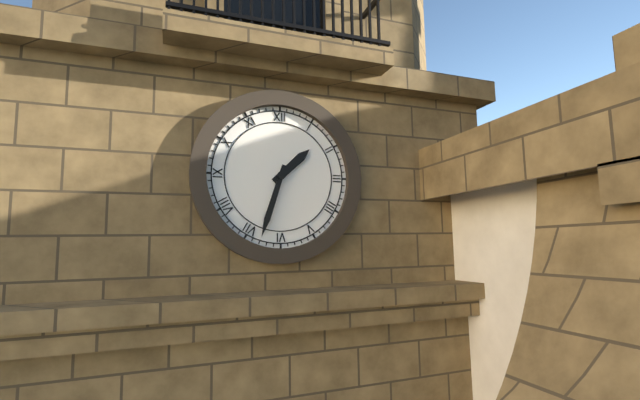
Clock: 1.33
